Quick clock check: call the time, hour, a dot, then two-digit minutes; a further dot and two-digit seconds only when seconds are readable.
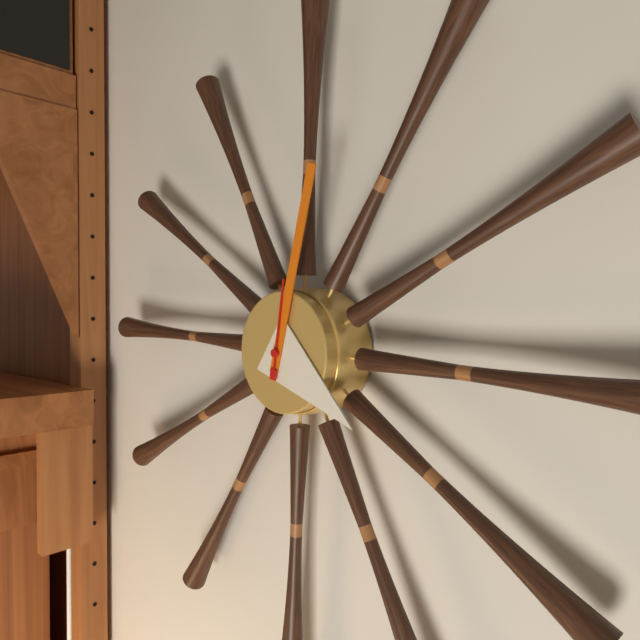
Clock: 4.02.01
